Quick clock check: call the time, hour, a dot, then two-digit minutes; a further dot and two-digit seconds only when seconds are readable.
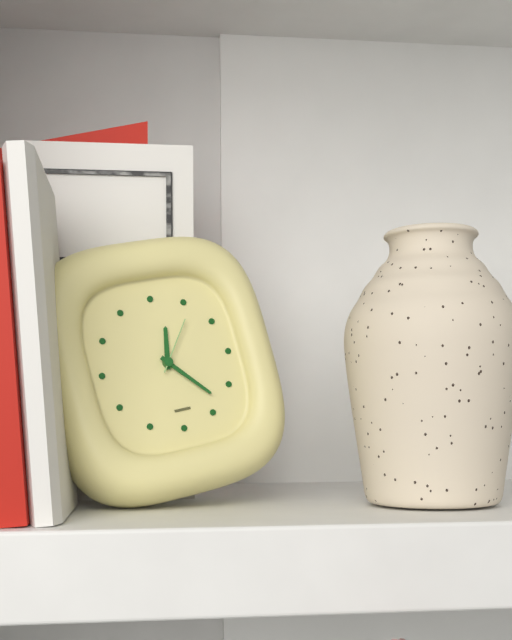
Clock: 12.23.06
